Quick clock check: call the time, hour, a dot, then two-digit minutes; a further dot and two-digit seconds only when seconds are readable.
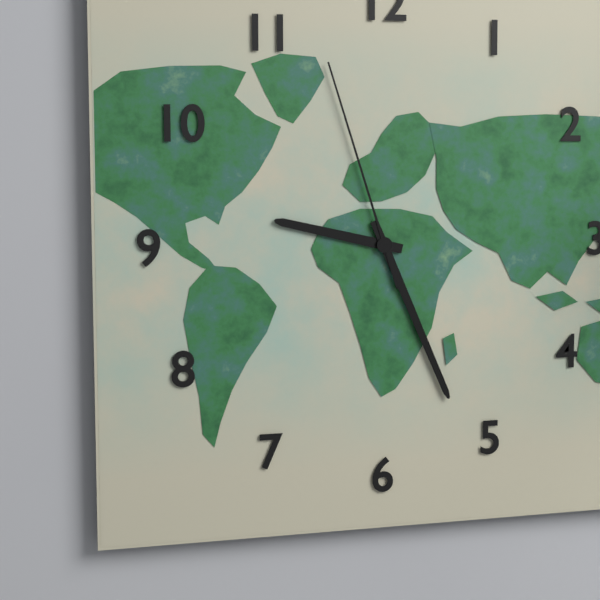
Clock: 9.26.57
